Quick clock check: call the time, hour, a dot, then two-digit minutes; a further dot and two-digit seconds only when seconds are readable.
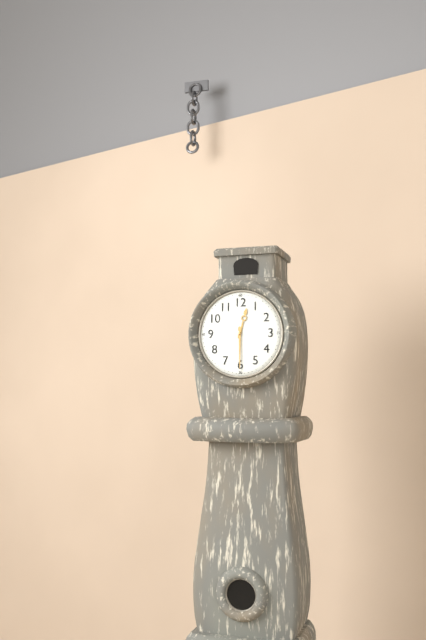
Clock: 12.30
